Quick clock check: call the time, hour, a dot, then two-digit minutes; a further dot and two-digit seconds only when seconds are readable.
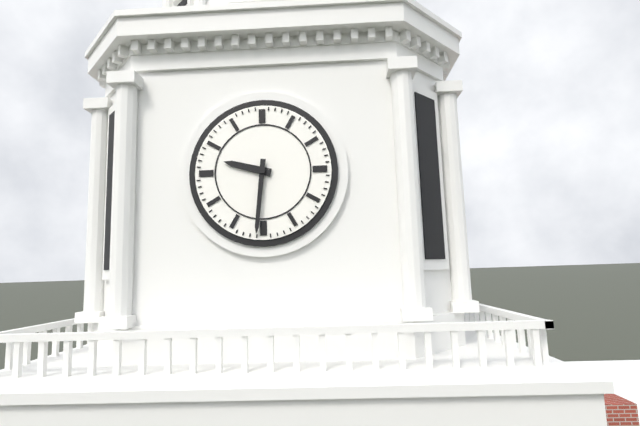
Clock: 9.31
